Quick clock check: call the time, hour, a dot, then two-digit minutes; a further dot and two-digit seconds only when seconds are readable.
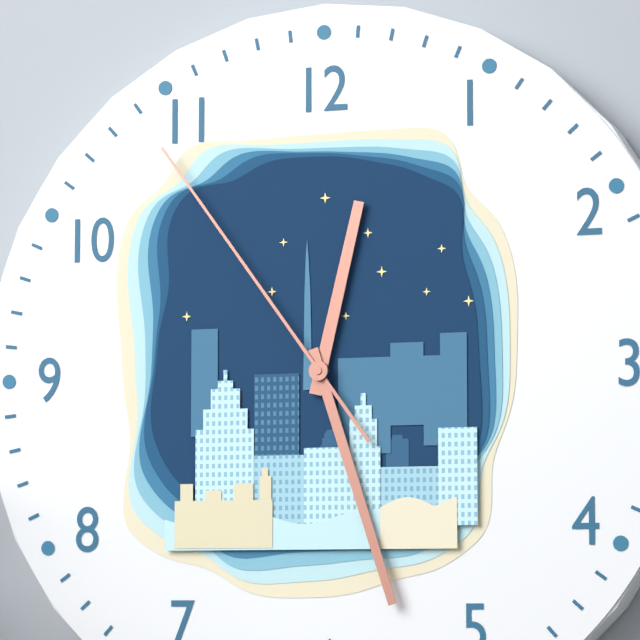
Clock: 12.27.54
